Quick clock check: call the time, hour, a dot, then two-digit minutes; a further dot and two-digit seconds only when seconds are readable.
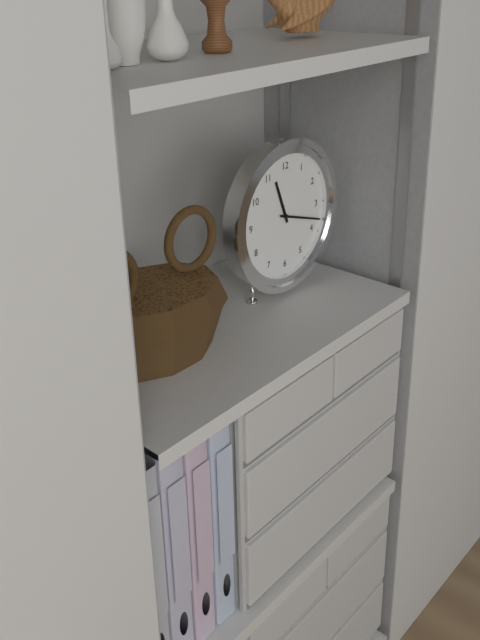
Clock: 11.18
